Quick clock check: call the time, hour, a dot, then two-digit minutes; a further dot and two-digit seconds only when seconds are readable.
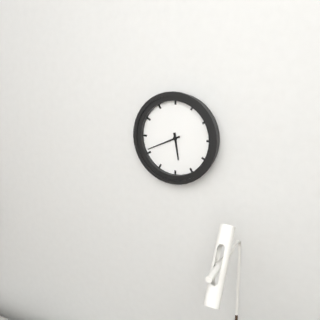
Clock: 5.41
